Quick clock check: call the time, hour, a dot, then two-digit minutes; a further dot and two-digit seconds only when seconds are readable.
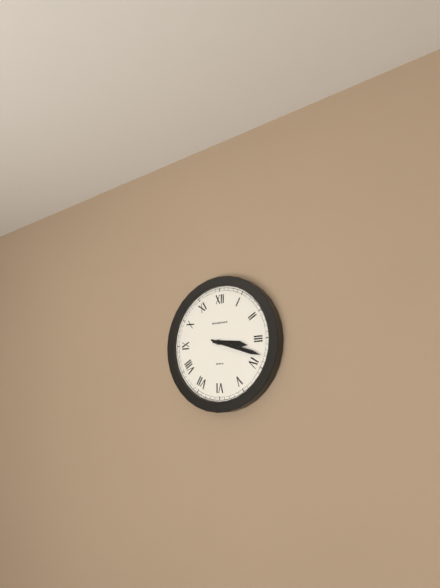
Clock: 3.18
